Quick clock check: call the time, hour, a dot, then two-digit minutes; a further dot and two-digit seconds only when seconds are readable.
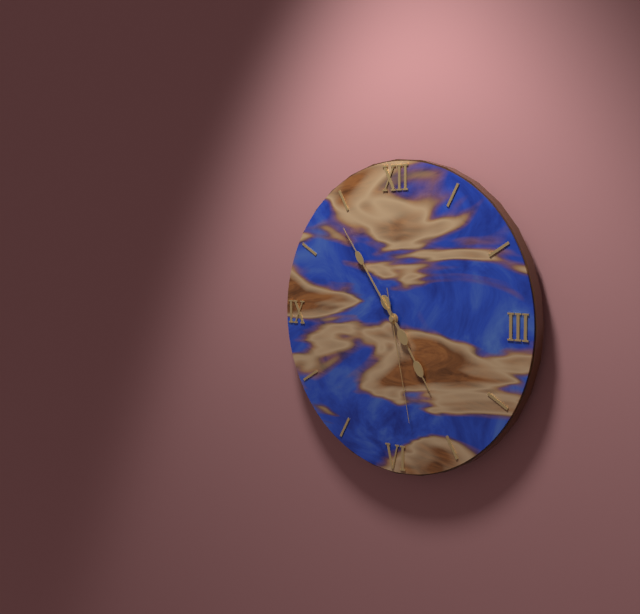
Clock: 4.54.28
